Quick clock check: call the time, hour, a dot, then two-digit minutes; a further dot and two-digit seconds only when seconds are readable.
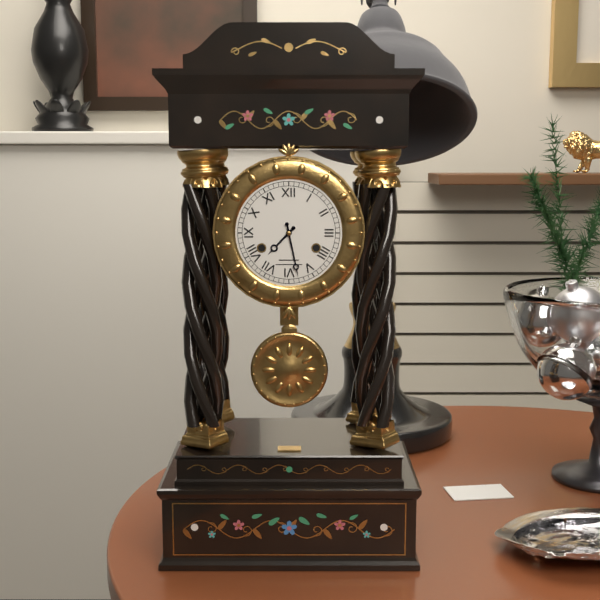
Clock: 7.28
